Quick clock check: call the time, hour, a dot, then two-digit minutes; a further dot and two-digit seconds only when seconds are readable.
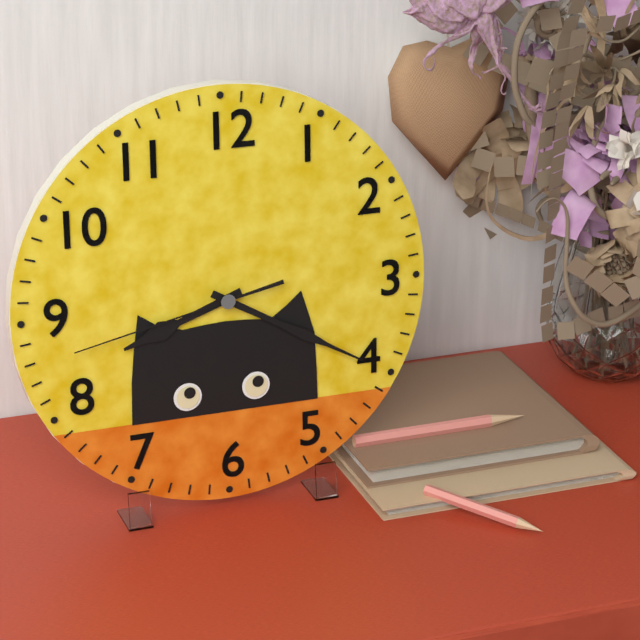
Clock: 8.20.43
